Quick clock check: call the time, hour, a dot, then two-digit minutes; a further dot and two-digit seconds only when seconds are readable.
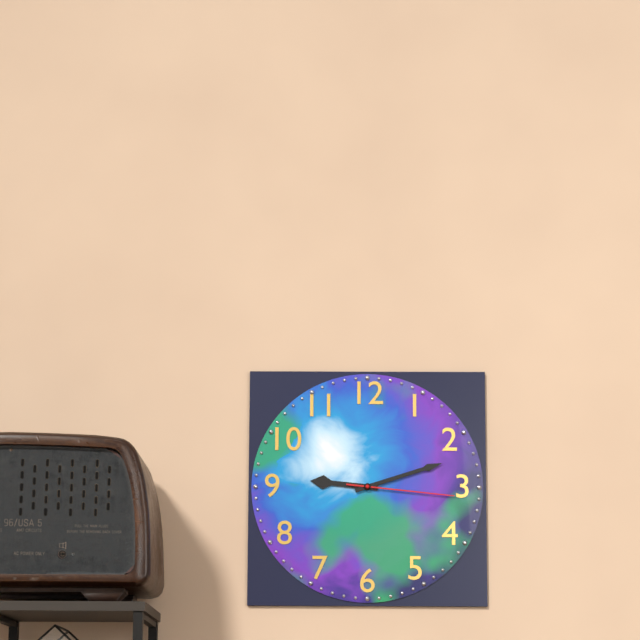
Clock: 9.12.16
